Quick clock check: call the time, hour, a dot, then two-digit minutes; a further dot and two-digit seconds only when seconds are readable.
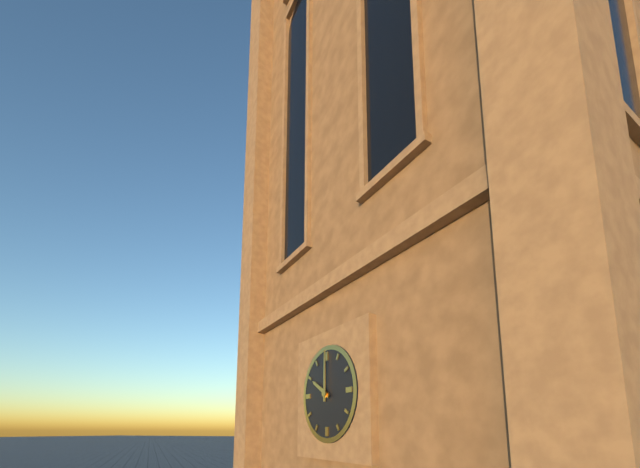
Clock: 10.00
